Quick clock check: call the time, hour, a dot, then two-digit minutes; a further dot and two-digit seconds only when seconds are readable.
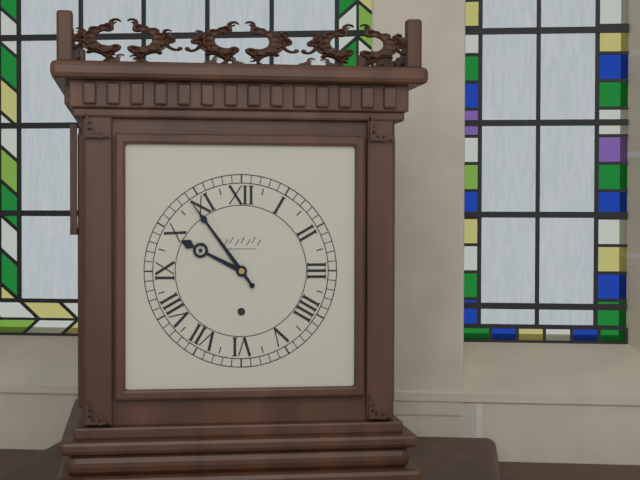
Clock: 9.54
